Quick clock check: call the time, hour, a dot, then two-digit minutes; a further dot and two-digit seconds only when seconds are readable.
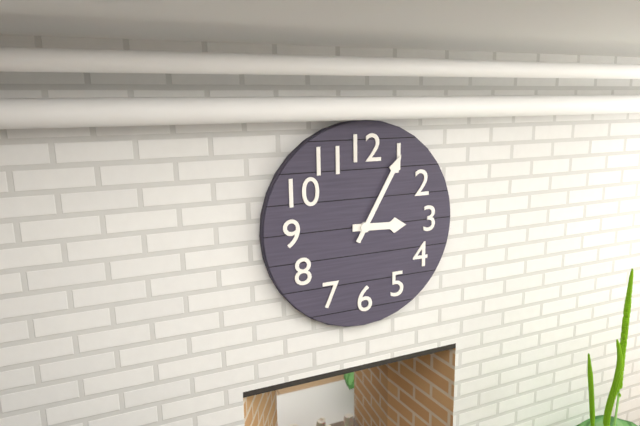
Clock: 3.05
